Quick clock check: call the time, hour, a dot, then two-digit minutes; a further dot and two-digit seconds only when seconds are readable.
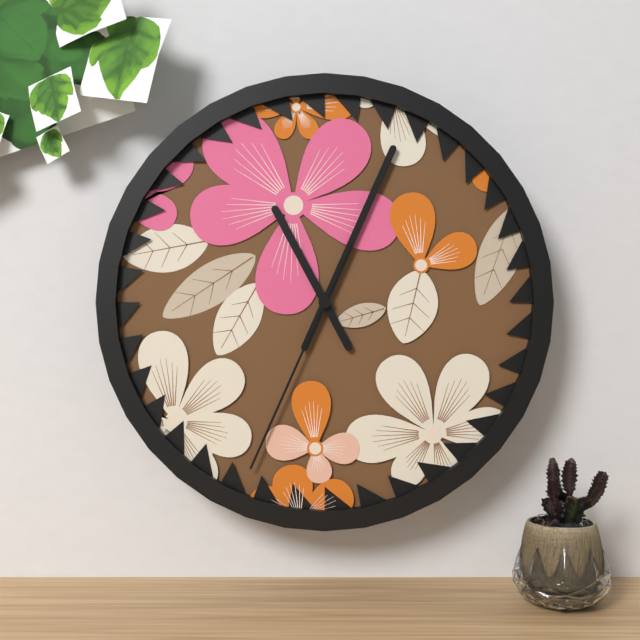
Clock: 11.04.34
